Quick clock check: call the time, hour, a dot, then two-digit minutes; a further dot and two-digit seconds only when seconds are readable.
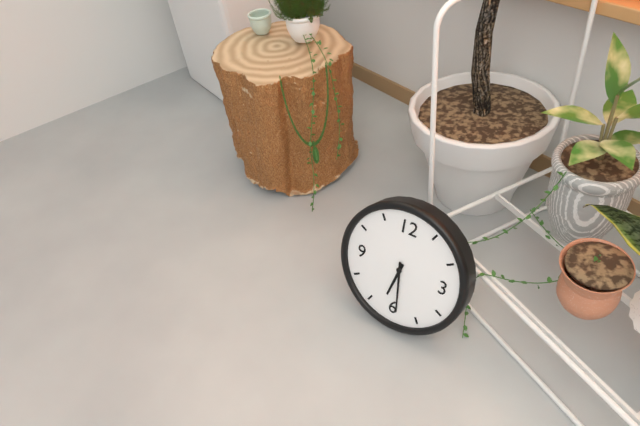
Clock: 6.29
